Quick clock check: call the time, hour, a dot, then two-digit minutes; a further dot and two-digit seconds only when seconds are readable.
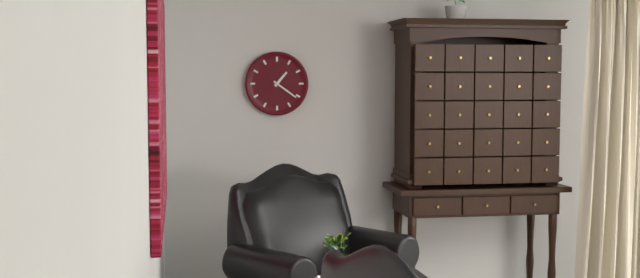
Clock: 1.21
